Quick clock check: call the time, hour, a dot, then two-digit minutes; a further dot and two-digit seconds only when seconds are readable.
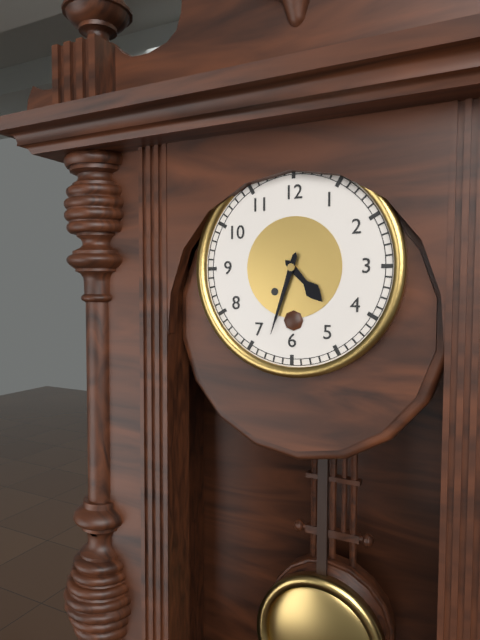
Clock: 4.33
